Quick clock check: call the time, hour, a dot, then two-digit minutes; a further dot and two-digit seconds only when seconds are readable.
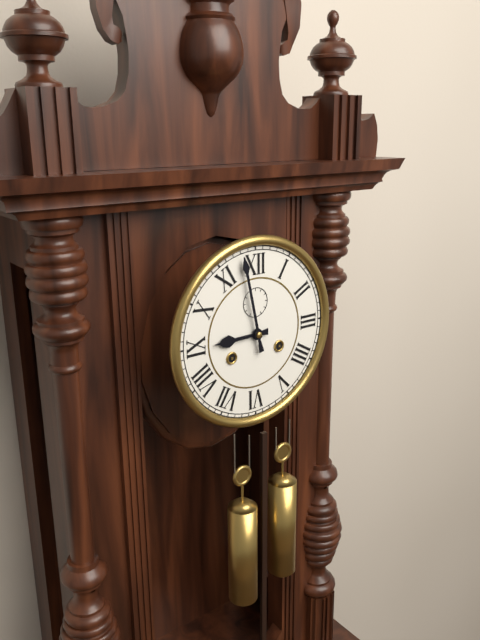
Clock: 8.58
